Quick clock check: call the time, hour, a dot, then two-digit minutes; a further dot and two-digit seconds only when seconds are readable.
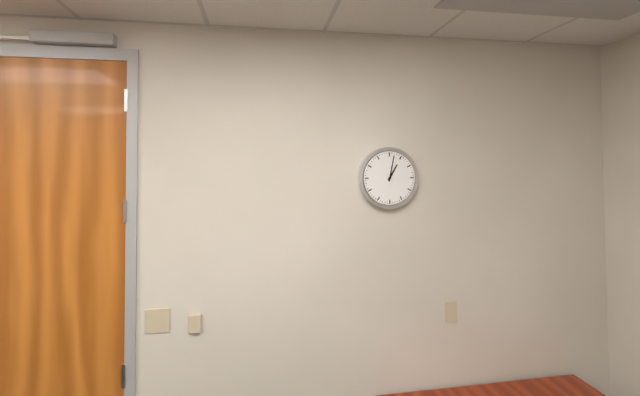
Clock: 1.02
